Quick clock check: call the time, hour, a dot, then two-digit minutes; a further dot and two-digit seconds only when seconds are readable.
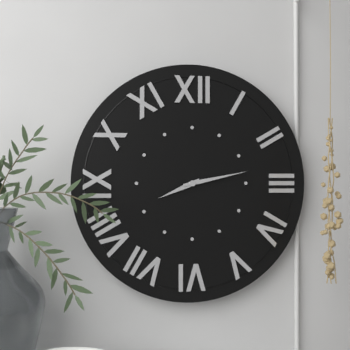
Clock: 8.13
